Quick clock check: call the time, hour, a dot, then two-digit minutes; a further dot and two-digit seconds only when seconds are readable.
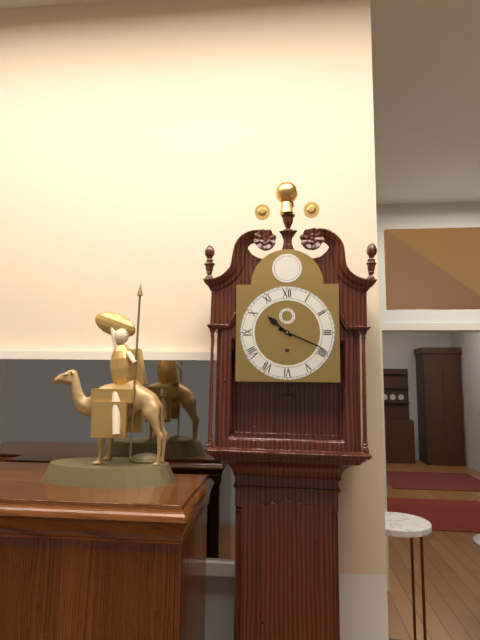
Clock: 10.19
